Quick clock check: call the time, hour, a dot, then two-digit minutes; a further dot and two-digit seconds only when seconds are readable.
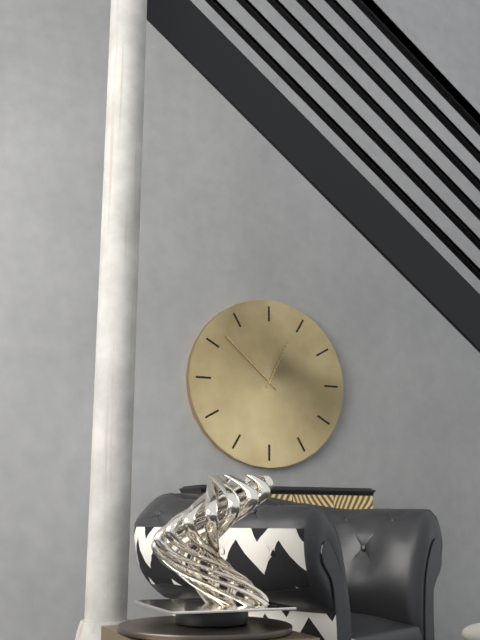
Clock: 12.52
